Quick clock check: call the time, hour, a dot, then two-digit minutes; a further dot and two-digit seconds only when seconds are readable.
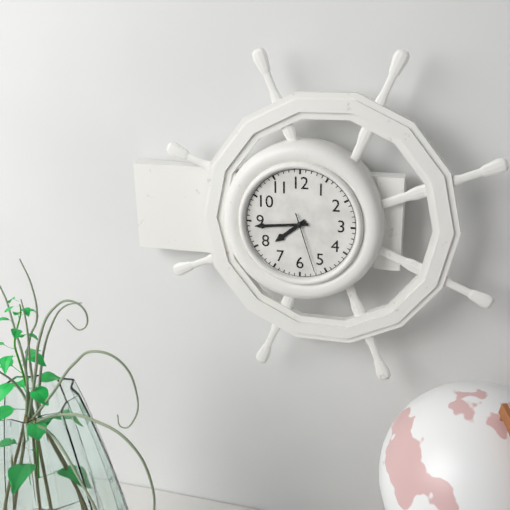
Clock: 7.44.27
